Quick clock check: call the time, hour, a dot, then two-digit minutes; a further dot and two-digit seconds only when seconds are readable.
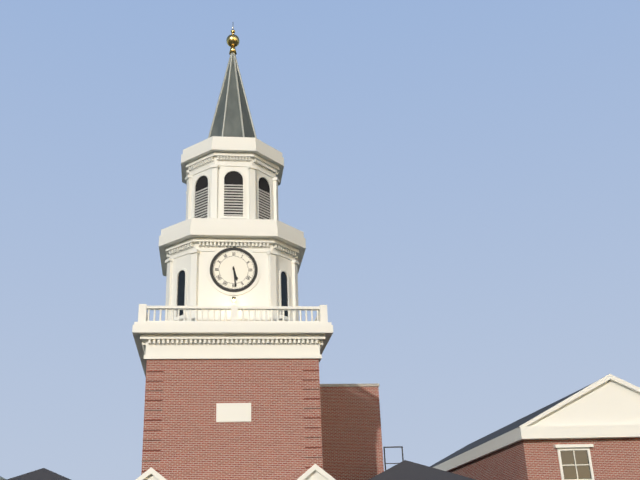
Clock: 5.29
